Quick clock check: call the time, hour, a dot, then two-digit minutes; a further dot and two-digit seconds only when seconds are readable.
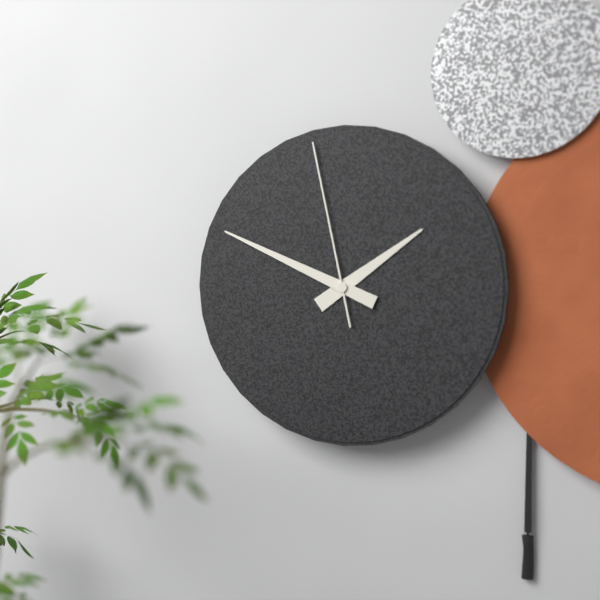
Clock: 1.49.58
